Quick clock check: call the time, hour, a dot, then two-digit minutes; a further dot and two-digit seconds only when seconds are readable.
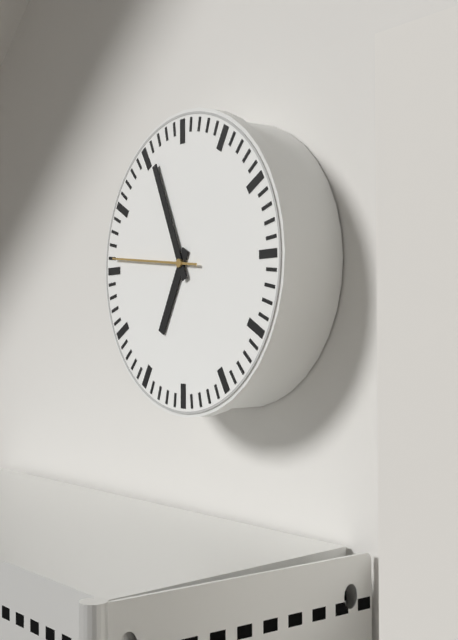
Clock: 6.56.46
